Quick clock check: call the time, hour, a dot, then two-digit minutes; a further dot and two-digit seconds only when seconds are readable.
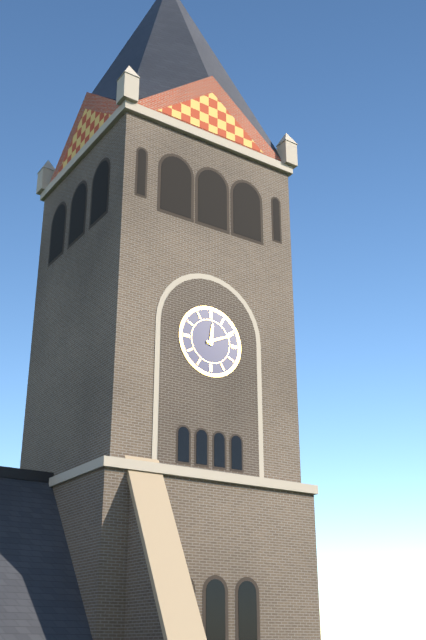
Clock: 12.11
